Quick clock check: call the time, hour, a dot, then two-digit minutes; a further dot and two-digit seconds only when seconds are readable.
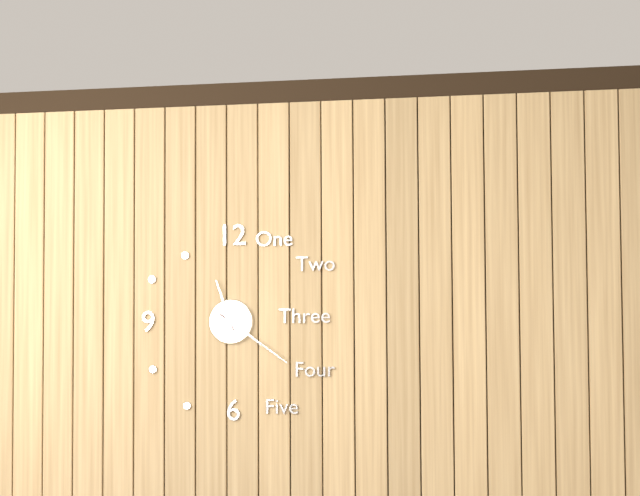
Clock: 11.21
